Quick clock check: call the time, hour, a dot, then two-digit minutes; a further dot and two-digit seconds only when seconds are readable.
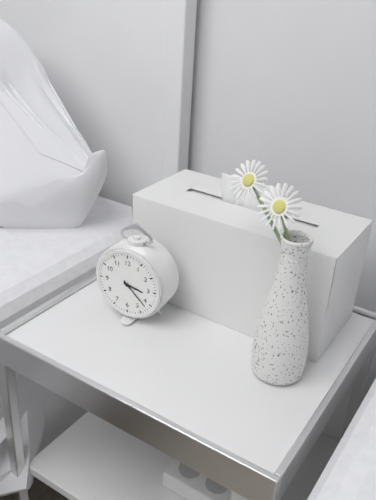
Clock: 3.22
